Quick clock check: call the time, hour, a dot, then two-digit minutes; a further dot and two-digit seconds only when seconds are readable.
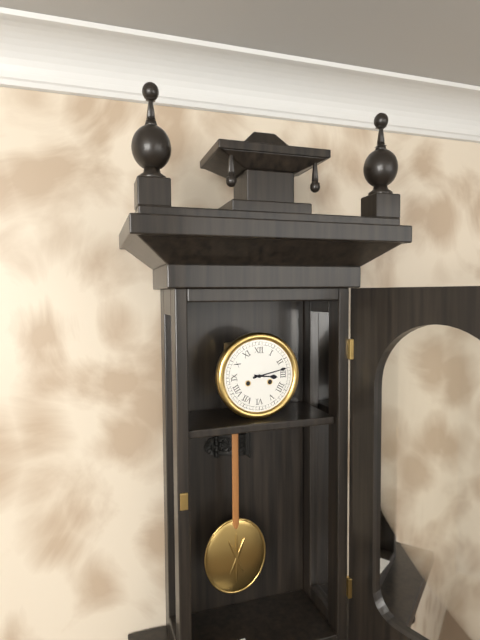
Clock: 3.13
